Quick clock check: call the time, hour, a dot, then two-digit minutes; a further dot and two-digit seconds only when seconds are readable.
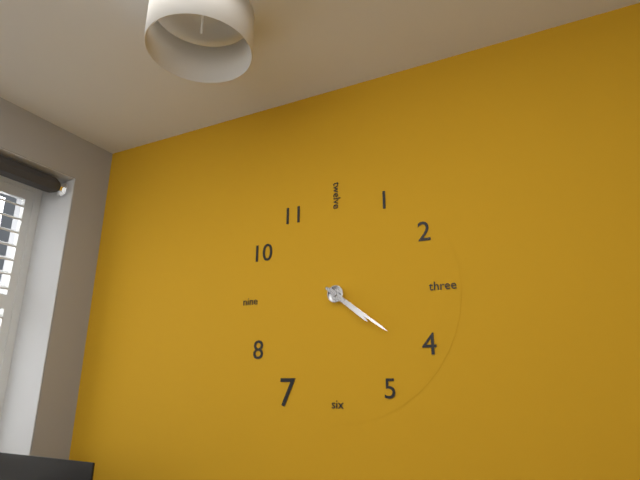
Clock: 4.21
